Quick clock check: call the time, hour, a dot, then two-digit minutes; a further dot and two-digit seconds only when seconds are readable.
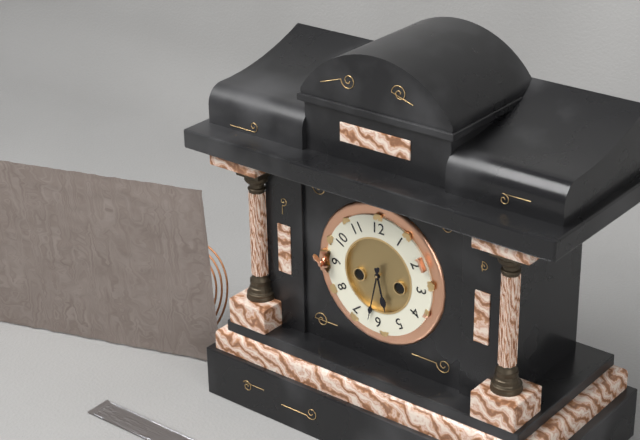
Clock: 5.32
